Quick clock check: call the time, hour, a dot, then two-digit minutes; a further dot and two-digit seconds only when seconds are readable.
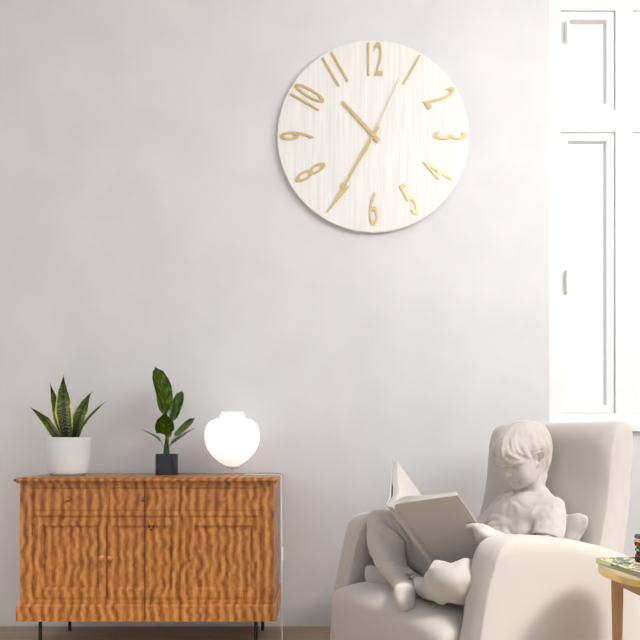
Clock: 10.35.04
